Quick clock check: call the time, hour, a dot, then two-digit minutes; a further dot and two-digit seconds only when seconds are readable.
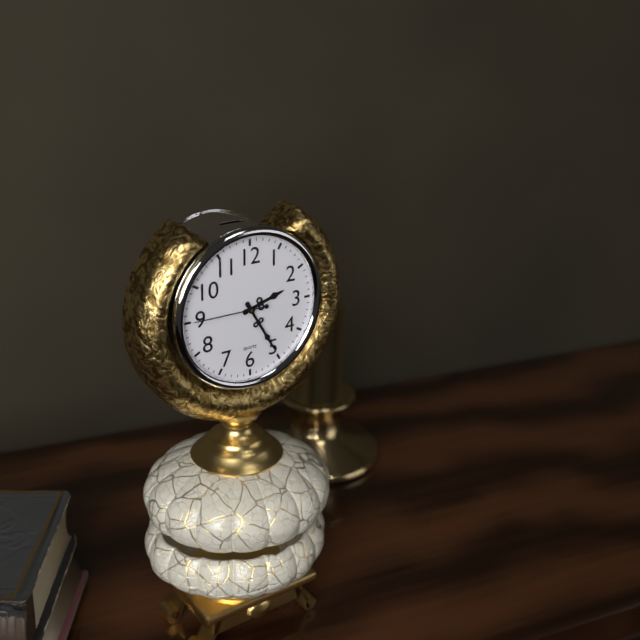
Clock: 2.25.45
